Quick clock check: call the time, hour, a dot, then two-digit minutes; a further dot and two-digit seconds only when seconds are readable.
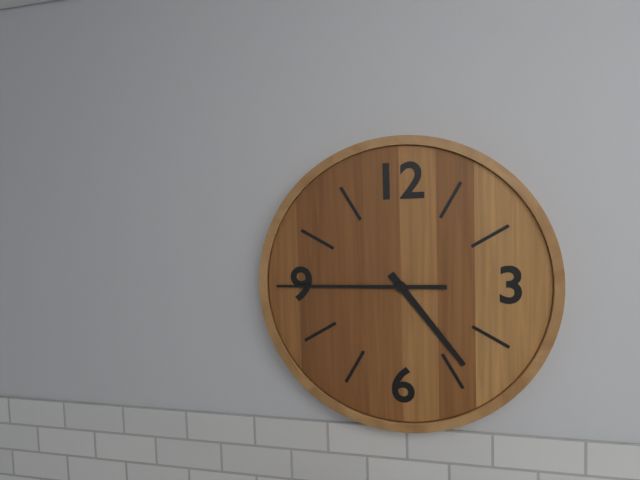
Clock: 4.45
